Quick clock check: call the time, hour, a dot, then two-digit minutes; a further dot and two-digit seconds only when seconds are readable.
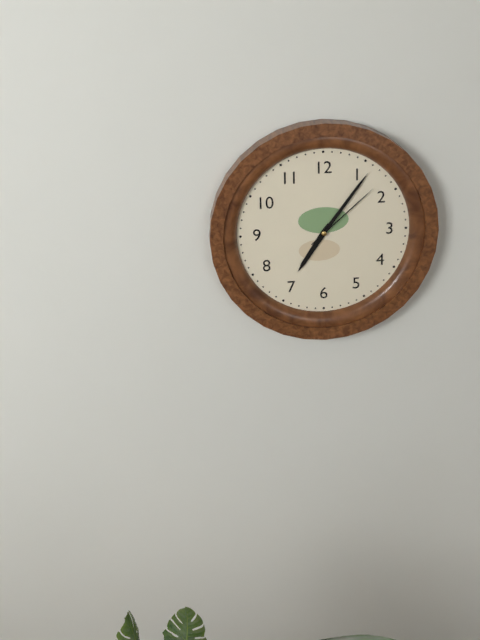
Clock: 7.06.08
